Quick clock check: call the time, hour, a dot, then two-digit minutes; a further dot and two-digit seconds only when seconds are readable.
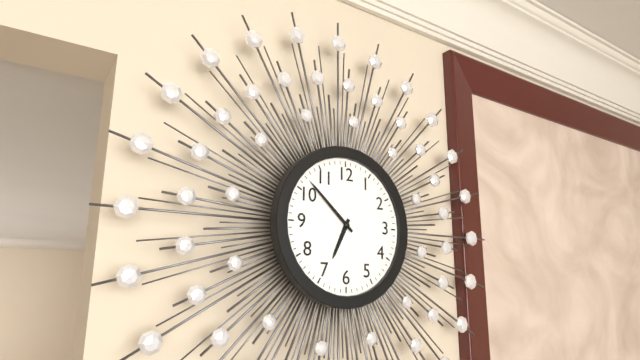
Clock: 6.52
